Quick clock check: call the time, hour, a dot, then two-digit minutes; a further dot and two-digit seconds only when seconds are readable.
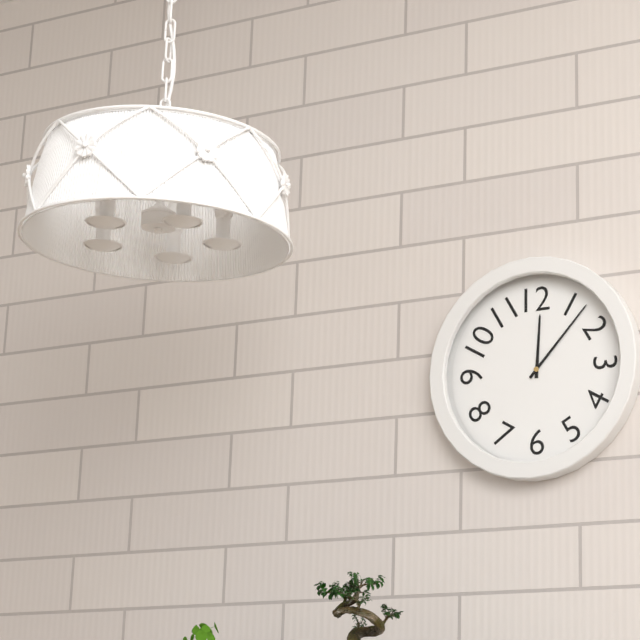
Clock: 12.07
